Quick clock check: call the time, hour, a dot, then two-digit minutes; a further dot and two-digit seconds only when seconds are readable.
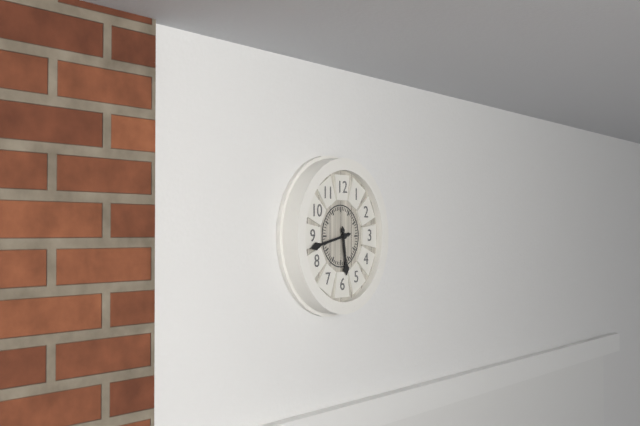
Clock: 5.43
